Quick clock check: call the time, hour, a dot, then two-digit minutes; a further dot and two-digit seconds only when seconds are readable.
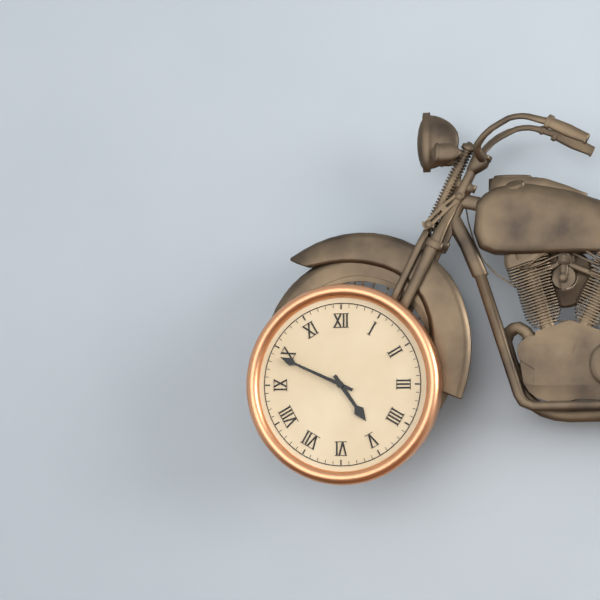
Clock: 4.49
